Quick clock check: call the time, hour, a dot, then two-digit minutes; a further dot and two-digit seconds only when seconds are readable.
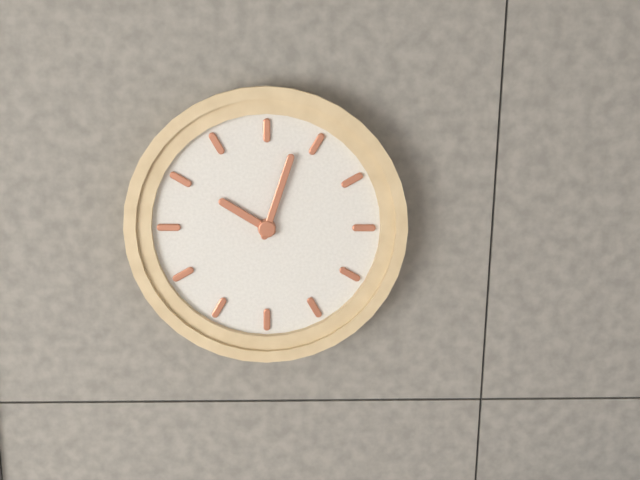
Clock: 10.03
